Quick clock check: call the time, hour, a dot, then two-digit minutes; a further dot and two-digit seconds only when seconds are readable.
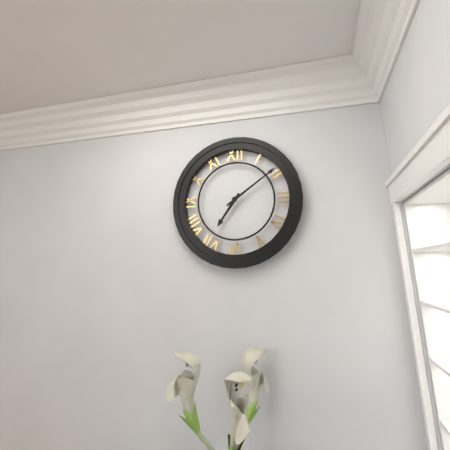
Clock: 7.09
